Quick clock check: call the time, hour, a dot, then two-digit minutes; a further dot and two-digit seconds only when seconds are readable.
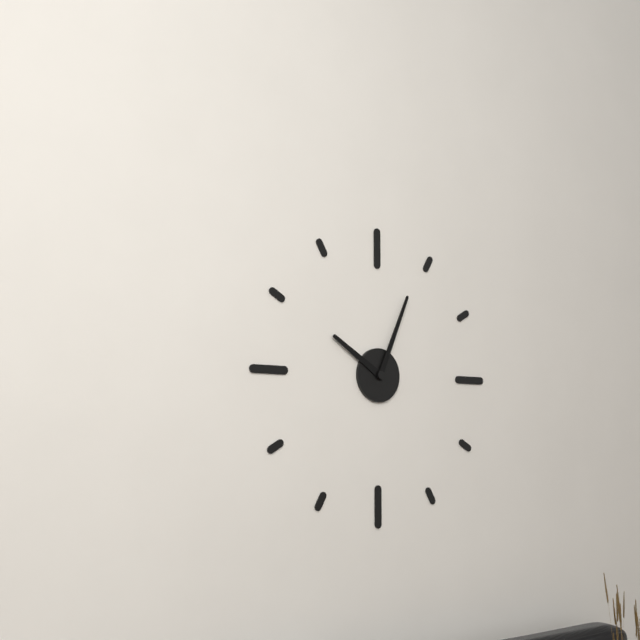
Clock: 10.04
